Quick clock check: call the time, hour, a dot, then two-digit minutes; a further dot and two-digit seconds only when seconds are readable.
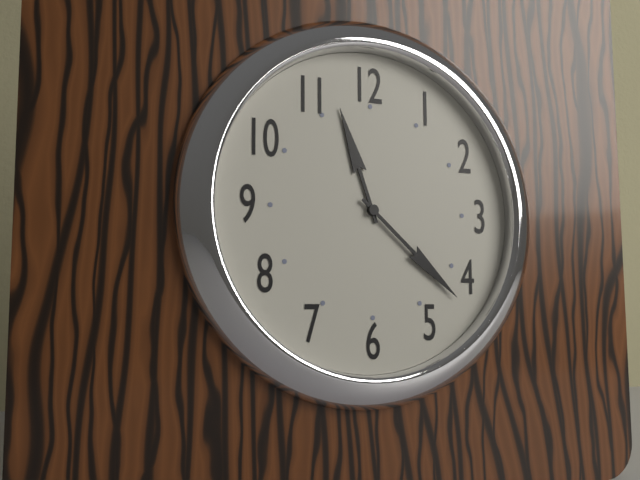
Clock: 11.22
